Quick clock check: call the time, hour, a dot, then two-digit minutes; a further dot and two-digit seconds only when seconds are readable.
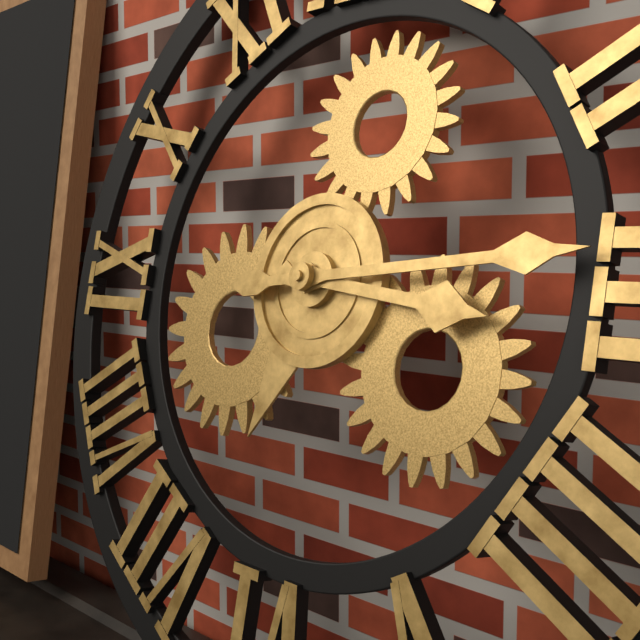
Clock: 3.14
